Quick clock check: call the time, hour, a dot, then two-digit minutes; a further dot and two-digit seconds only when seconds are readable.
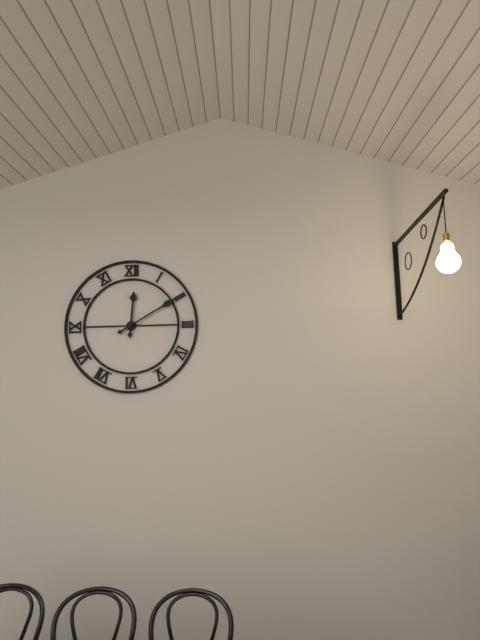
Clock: 12.10
